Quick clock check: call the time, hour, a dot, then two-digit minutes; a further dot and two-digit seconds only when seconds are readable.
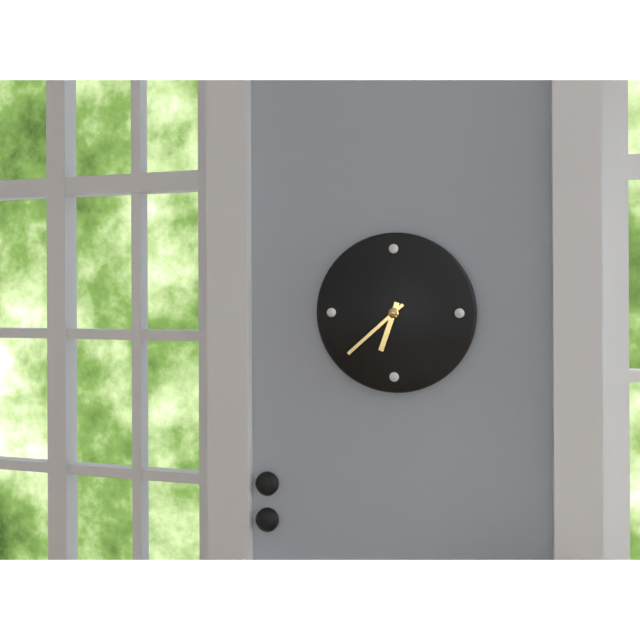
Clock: 6.38
